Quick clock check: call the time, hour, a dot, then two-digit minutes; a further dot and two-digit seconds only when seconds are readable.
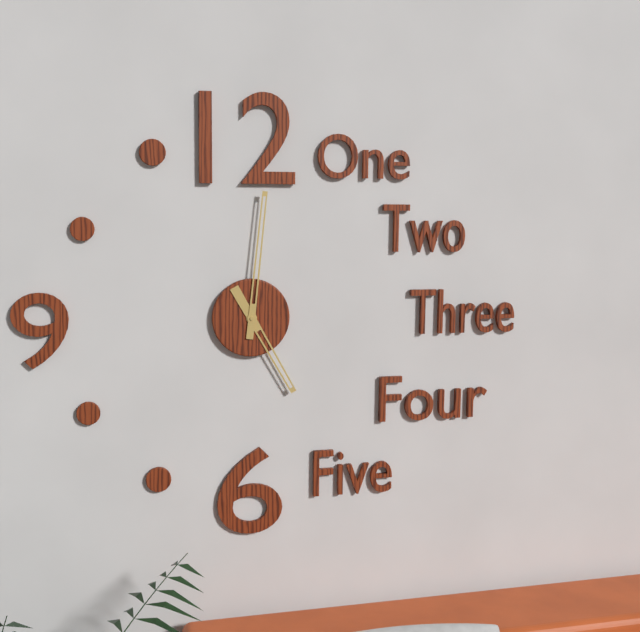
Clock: 5.01
